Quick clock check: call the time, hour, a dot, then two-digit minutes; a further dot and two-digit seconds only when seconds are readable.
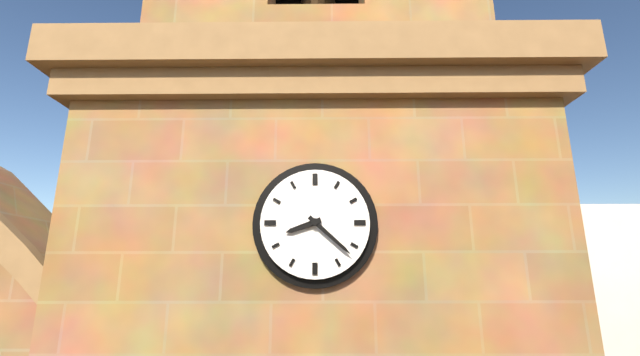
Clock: 8.22
